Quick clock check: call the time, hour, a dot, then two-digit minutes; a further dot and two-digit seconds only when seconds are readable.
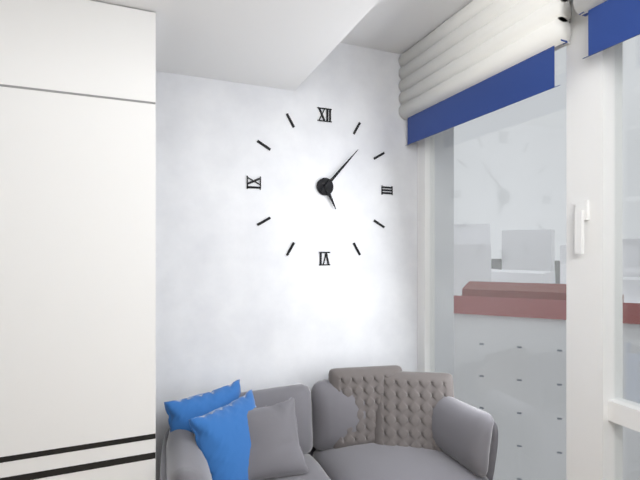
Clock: 5.07
